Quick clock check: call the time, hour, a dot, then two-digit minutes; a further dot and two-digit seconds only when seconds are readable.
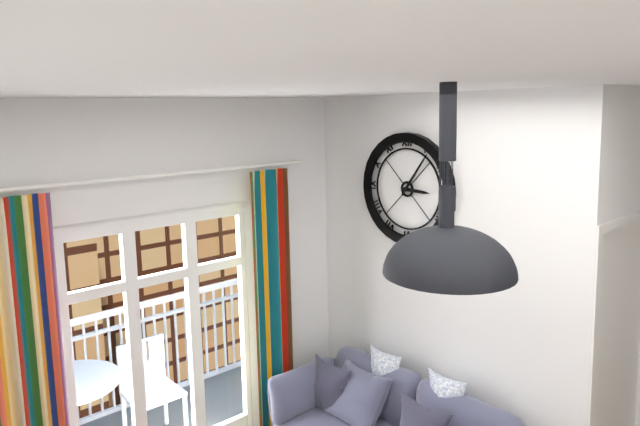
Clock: 3.06
